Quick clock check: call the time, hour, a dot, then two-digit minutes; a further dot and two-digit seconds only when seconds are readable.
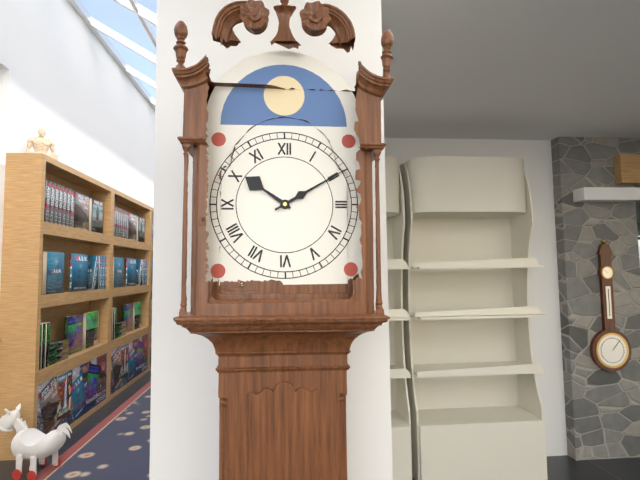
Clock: 10.10
